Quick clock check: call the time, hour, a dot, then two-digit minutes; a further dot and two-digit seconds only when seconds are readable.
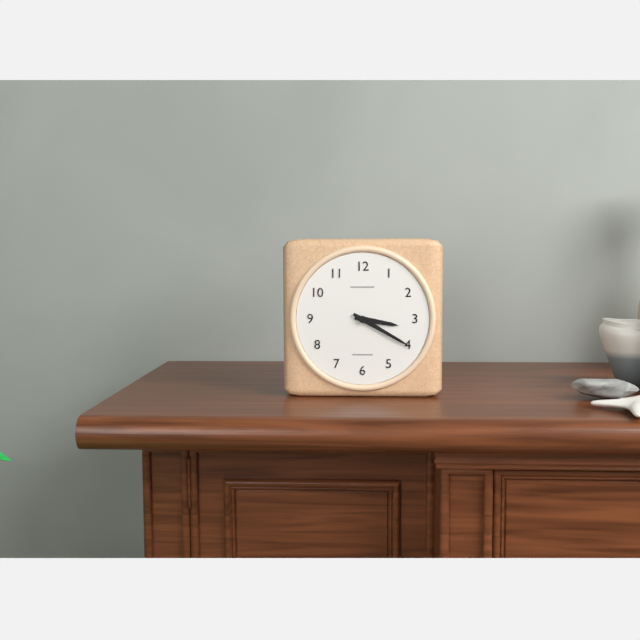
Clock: 3.20
